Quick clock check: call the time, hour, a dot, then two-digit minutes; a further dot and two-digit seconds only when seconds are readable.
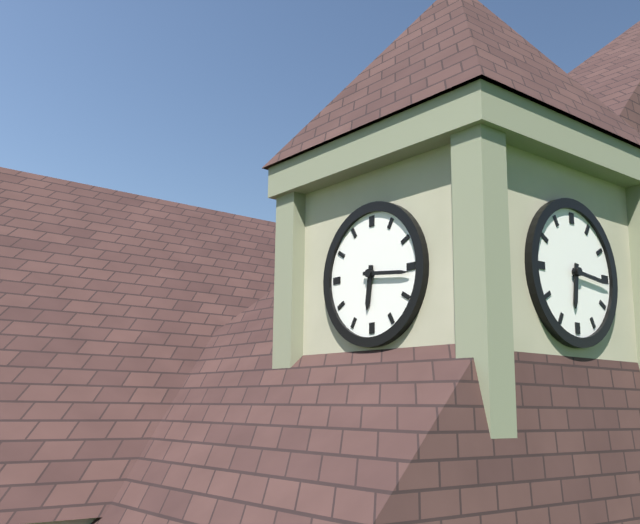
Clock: 6.16
